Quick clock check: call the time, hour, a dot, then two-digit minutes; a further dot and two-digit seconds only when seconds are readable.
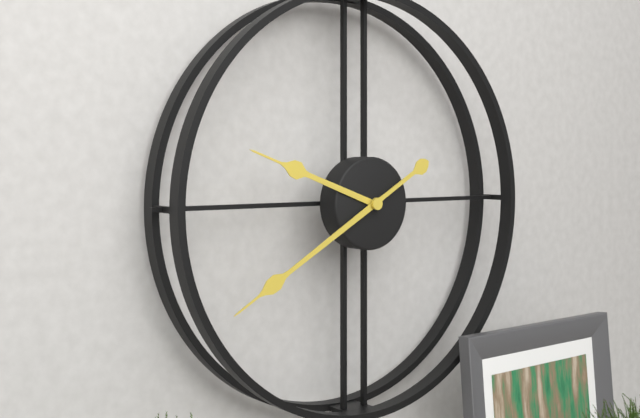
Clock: 9.40
